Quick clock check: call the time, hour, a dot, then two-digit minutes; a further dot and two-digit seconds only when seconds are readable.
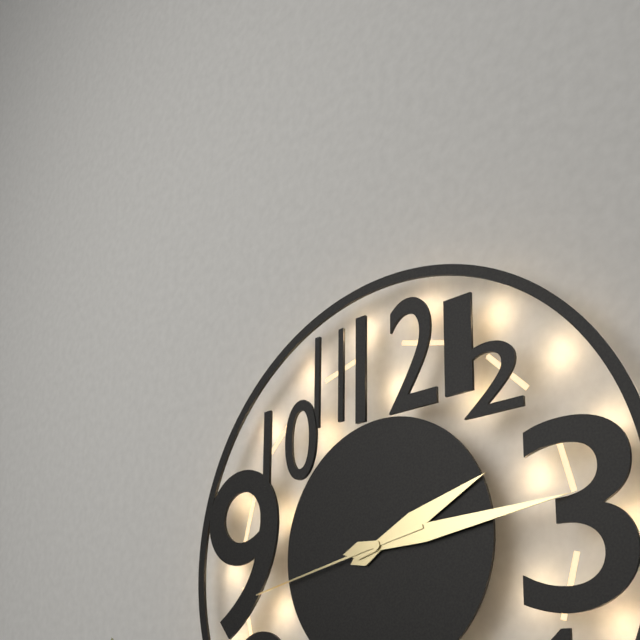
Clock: 2.14.43
